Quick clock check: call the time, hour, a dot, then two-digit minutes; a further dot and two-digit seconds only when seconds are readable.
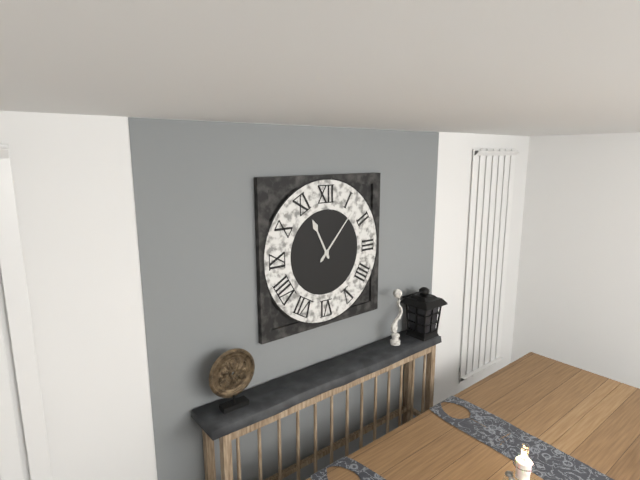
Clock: 11.07
